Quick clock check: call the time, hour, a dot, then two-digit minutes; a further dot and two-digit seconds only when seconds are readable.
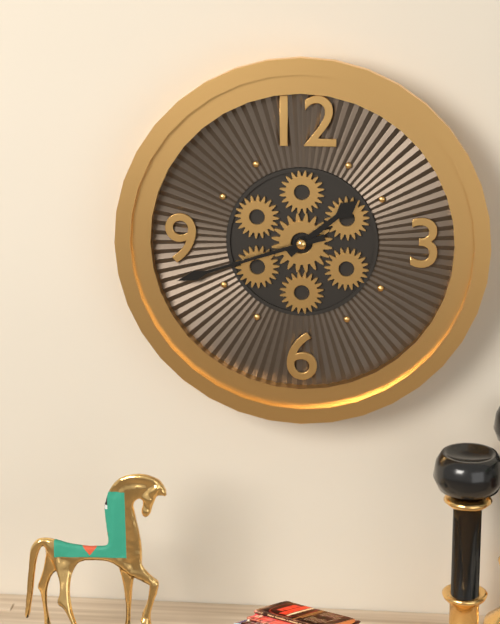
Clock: 1.42
